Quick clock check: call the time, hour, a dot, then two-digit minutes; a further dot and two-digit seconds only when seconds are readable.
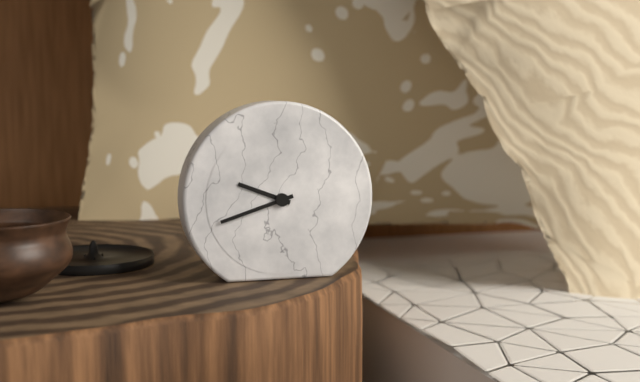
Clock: 9.42
